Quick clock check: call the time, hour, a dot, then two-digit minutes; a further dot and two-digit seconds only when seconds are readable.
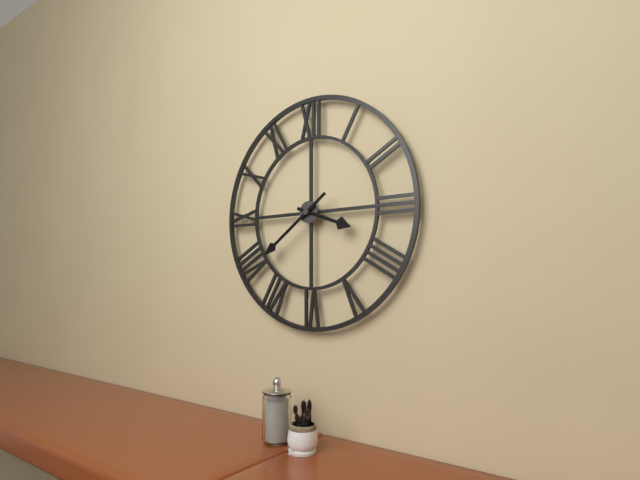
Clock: 3.39
